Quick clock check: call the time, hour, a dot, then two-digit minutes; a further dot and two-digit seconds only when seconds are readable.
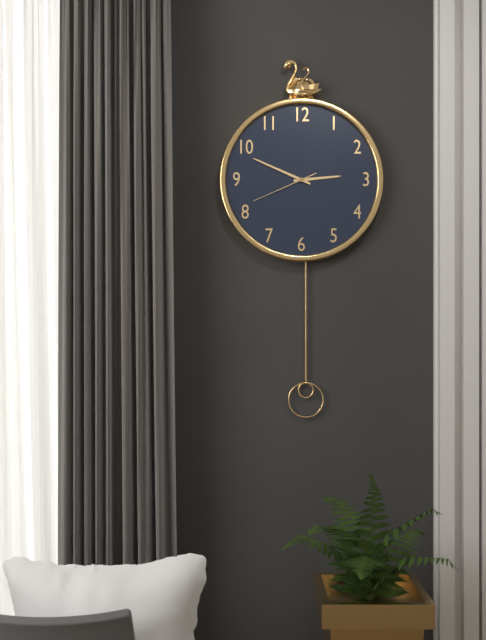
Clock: 2.49.41
